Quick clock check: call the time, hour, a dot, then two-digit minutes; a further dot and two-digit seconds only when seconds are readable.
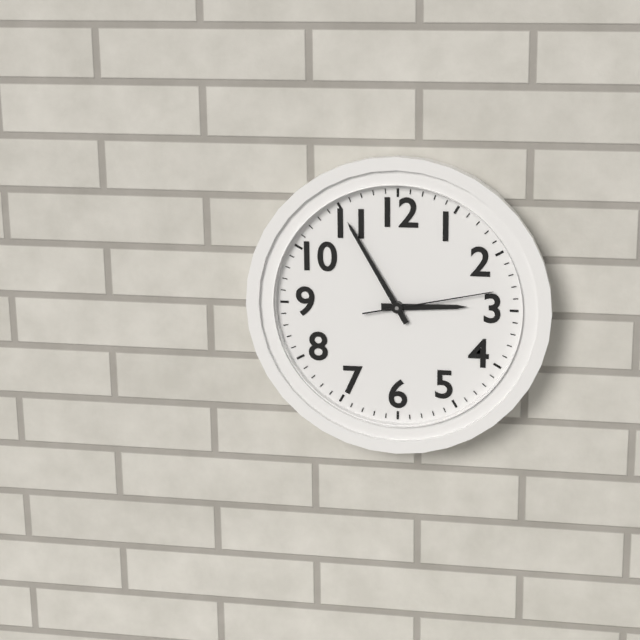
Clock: 2.55.13
